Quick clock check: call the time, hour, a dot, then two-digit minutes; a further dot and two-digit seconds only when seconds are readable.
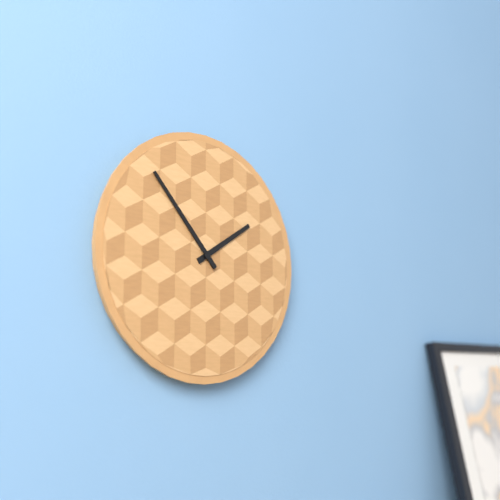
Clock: 1.53
